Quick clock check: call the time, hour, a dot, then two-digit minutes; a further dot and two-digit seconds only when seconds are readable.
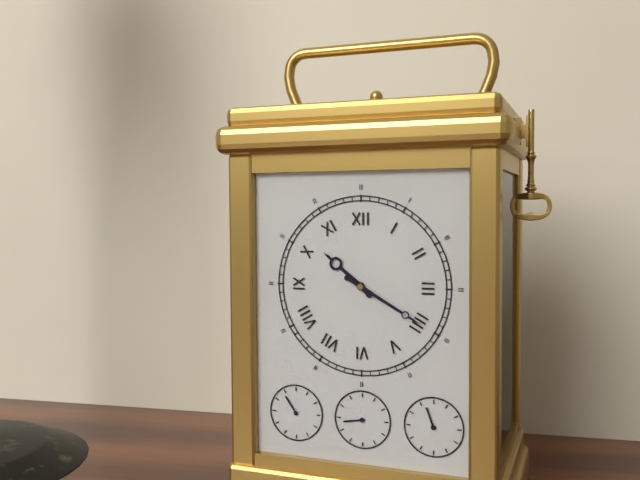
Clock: 10.20
